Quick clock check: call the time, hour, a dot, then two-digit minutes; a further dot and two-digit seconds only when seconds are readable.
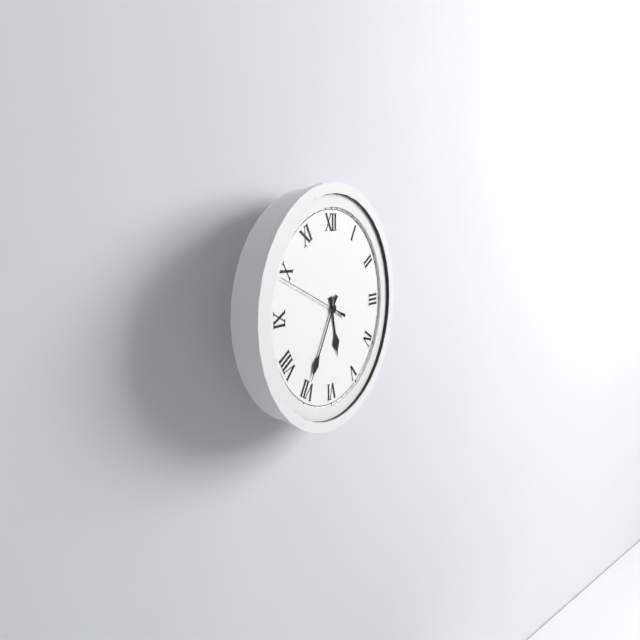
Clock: 5.35.49
